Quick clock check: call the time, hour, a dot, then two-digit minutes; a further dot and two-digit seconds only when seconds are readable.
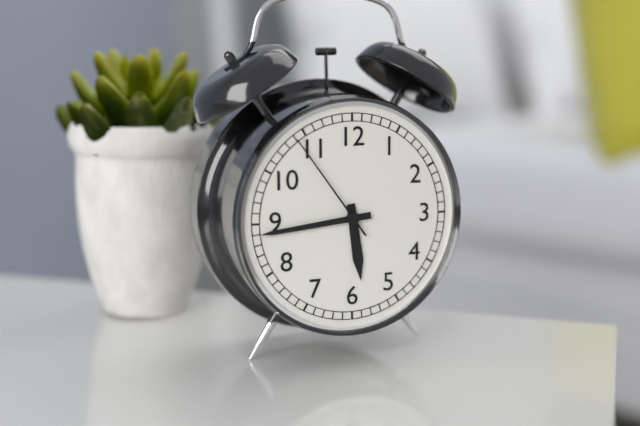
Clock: 5.44.54
